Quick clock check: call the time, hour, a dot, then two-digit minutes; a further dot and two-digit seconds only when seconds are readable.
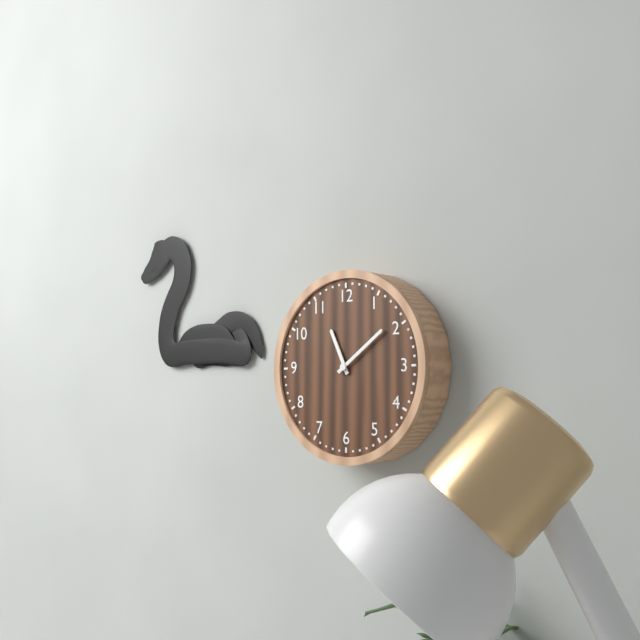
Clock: 11.09
